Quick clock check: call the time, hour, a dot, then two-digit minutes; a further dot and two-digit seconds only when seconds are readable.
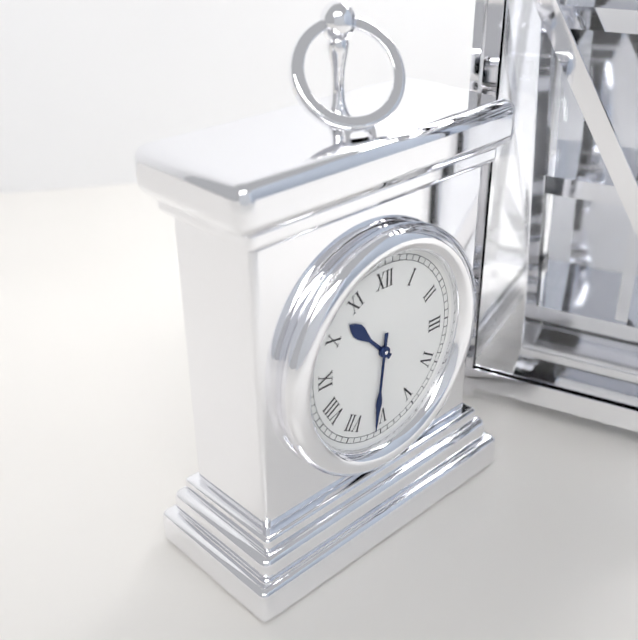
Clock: 10.31
